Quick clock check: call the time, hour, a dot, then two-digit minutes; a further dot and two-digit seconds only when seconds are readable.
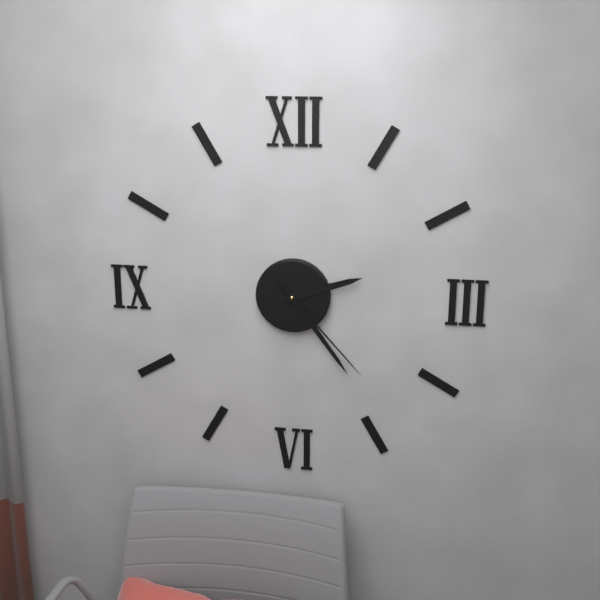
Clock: 2.24.23
